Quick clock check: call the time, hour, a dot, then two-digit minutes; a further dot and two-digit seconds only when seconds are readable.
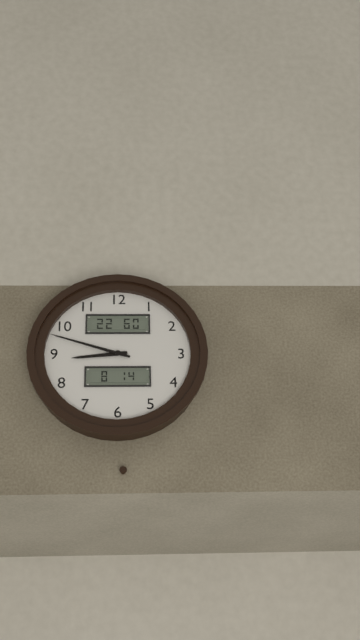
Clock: 8.48
